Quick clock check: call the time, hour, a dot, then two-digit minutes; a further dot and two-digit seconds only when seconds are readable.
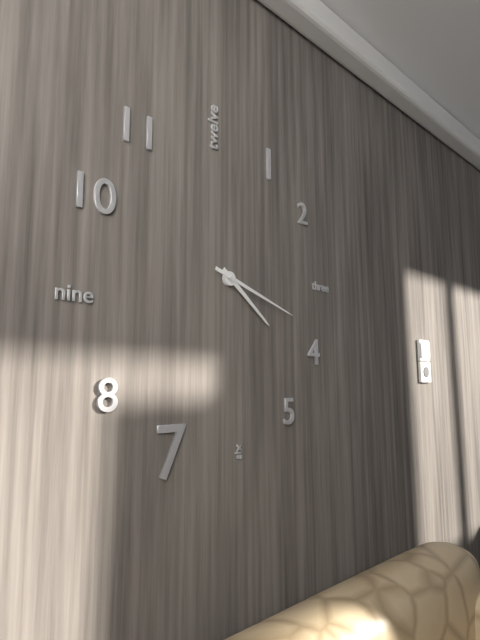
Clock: 4.18
